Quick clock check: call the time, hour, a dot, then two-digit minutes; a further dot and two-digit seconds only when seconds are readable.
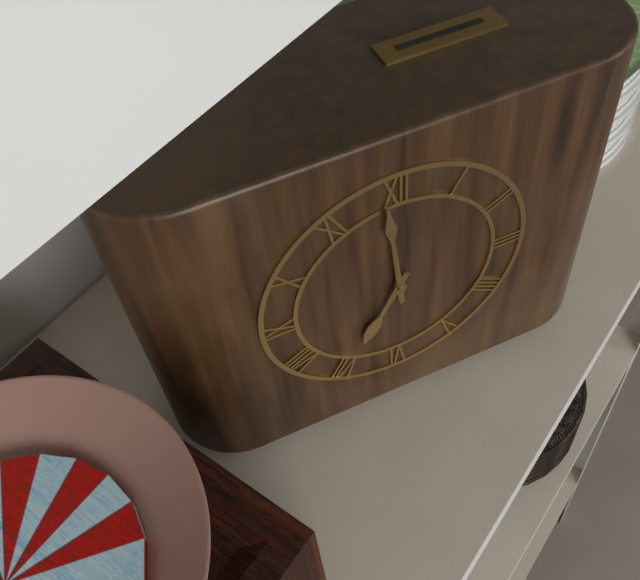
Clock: 6.59
